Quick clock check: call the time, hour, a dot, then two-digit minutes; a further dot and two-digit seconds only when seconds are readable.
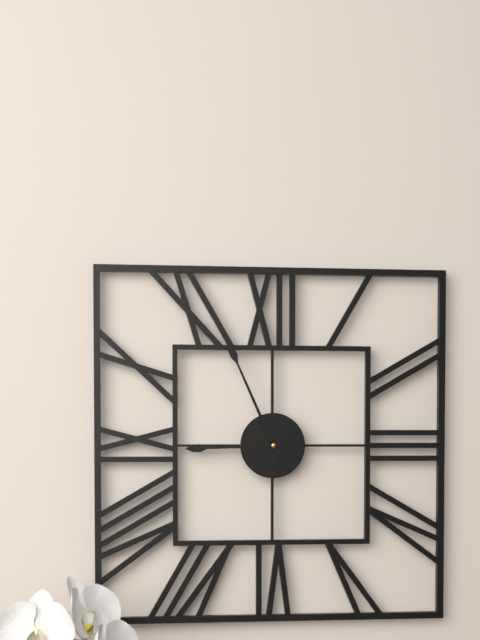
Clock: 8.56
